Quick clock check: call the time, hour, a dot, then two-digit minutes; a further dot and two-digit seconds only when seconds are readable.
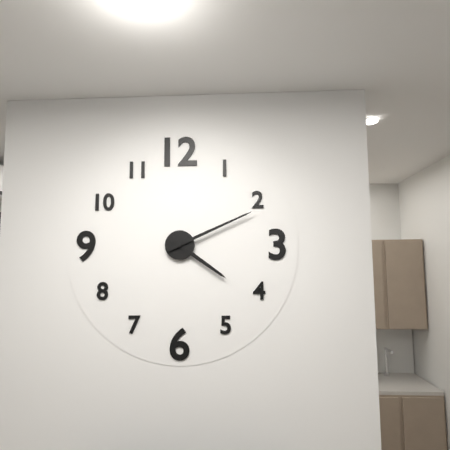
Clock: 4.11
